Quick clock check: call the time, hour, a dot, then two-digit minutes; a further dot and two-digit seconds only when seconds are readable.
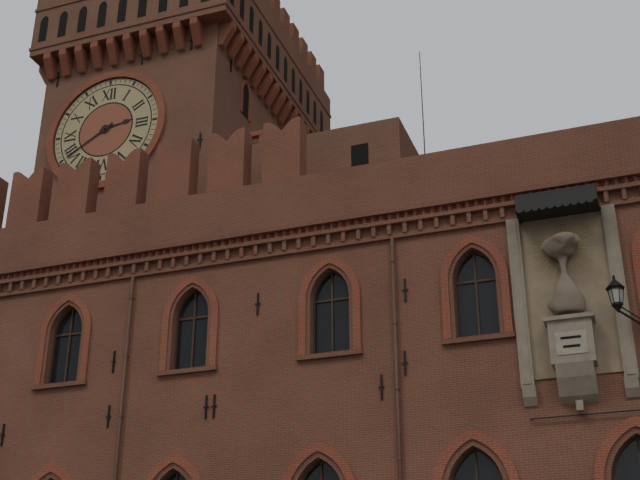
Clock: 2.40
